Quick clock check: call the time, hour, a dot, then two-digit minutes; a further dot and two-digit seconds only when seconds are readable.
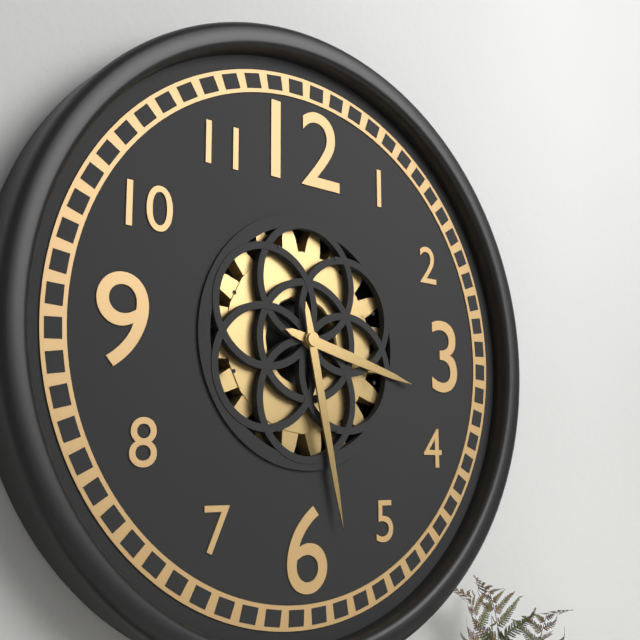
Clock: 3.28
